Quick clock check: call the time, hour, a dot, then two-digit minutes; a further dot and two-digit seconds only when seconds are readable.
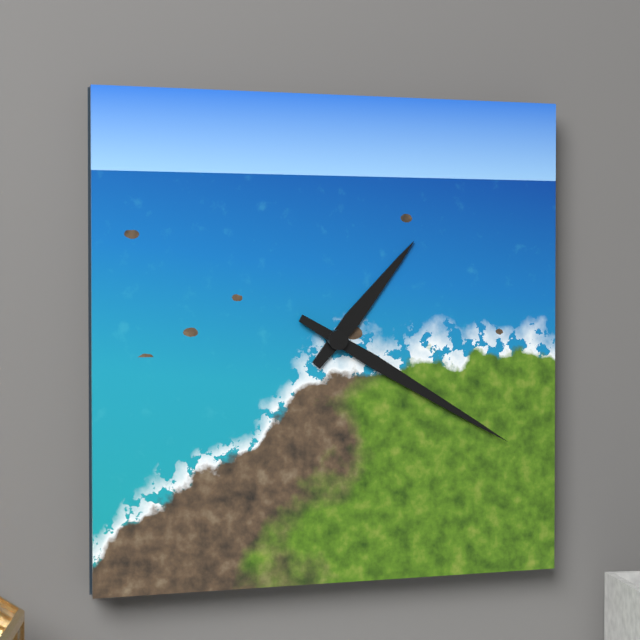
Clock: 1.20
